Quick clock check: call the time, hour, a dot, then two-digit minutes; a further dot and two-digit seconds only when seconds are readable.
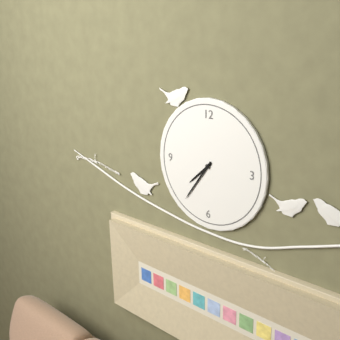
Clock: 7.36
